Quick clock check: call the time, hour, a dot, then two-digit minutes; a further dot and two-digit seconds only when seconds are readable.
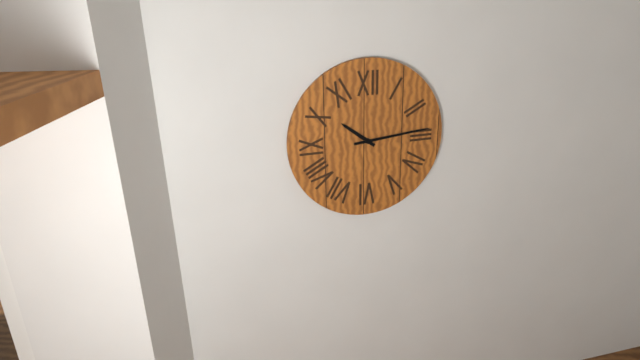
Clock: 10.14
